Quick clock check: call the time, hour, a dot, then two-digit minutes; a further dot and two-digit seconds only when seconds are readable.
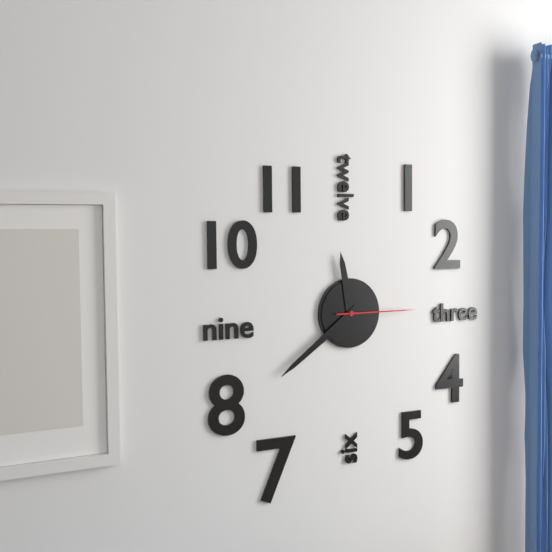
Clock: 11.39.15
